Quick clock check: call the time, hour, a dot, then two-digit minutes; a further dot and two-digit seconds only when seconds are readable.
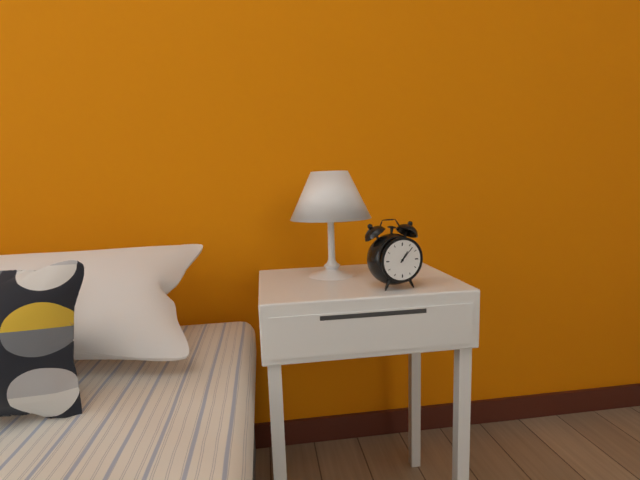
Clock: 1.07
